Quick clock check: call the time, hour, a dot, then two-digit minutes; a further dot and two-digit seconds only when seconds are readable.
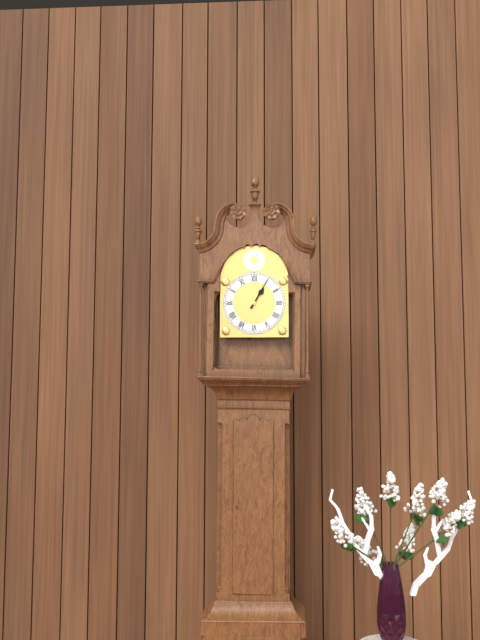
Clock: 1.05
